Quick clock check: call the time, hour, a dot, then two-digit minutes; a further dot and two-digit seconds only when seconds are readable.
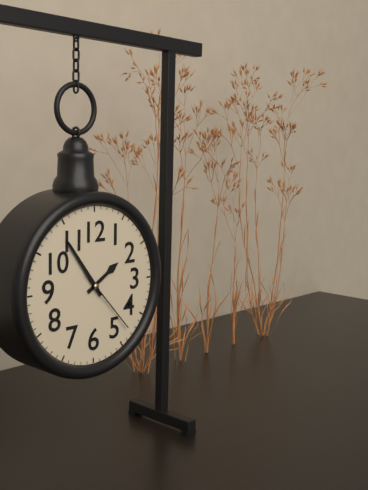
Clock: 1.54.23
